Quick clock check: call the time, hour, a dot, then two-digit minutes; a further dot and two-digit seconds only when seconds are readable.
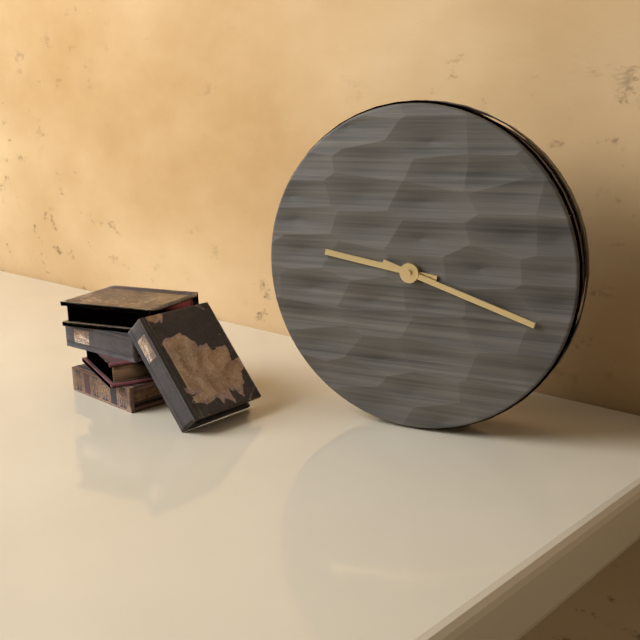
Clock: 9.18
